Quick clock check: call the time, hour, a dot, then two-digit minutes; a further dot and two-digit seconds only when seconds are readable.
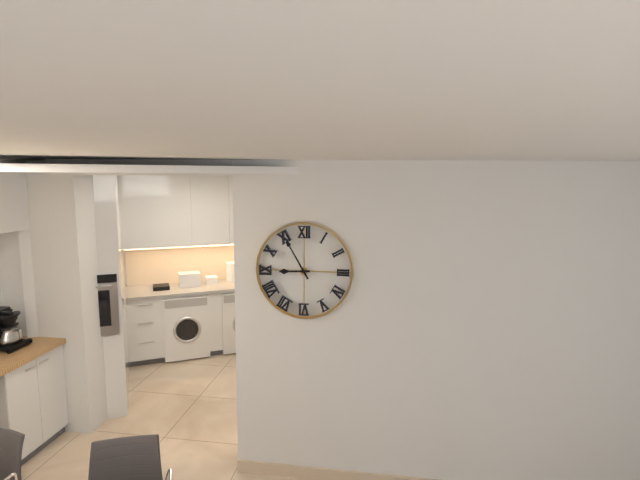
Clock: 8.55
